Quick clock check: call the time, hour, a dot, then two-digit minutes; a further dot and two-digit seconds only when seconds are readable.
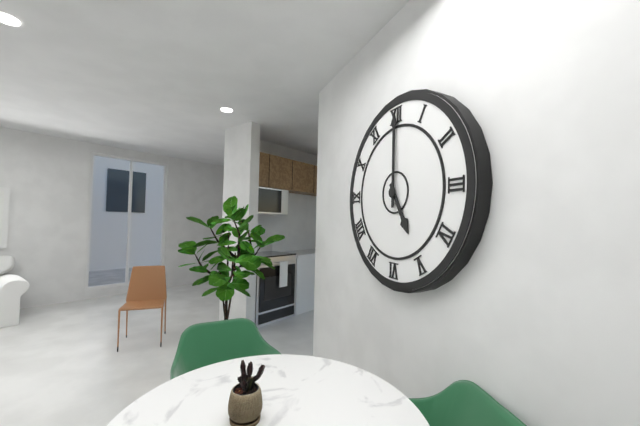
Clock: 5.00
